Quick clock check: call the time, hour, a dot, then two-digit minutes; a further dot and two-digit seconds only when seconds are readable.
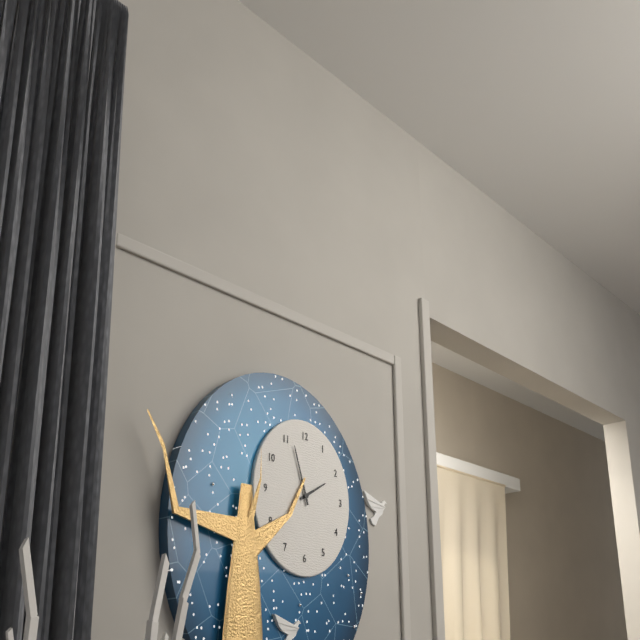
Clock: 1.57
